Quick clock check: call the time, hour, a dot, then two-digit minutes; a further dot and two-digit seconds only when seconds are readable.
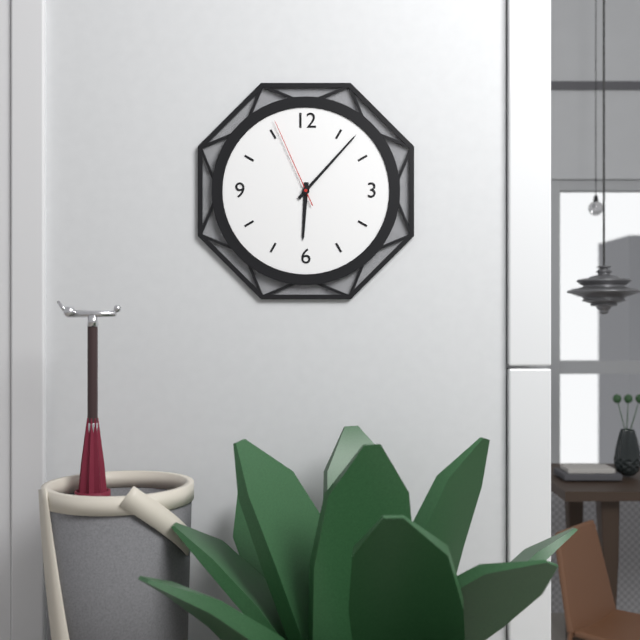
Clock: 6.07.56
